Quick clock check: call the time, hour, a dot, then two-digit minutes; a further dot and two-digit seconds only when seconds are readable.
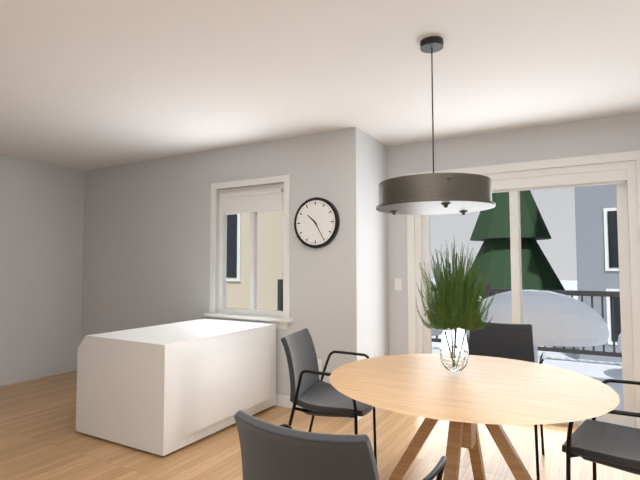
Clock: 10.25
